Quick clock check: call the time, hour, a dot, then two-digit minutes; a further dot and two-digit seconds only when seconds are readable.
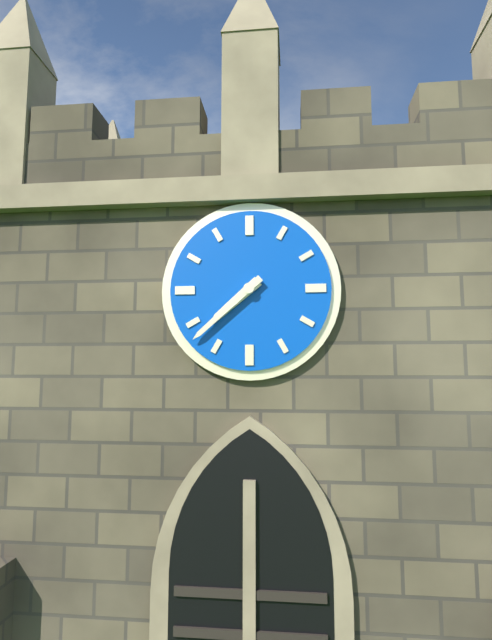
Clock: 7.38
